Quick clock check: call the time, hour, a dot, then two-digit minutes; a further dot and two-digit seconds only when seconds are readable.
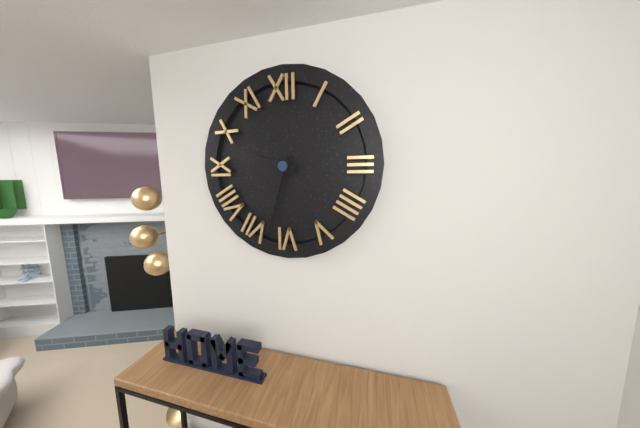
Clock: 9.33
